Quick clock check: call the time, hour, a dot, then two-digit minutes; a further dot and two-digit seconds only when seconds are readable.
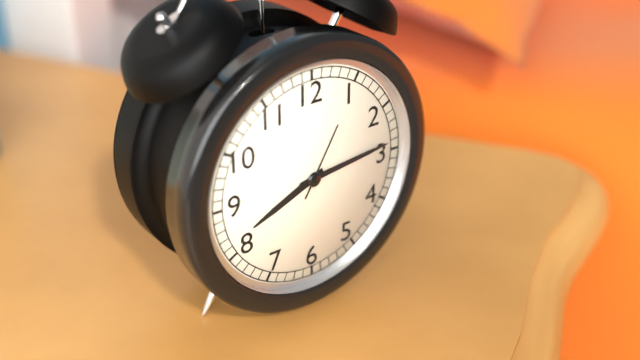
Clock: 8.14.05
